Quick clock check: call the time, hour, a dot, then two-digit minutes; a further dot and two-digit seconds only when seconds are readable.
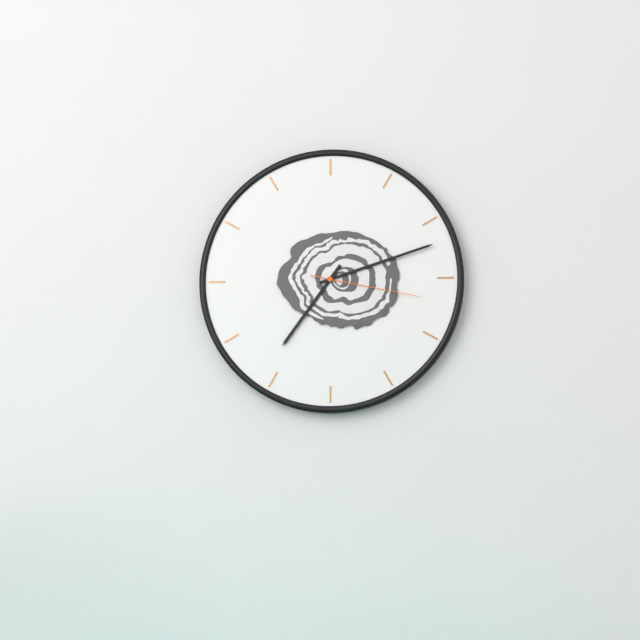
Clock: 7.12.17
